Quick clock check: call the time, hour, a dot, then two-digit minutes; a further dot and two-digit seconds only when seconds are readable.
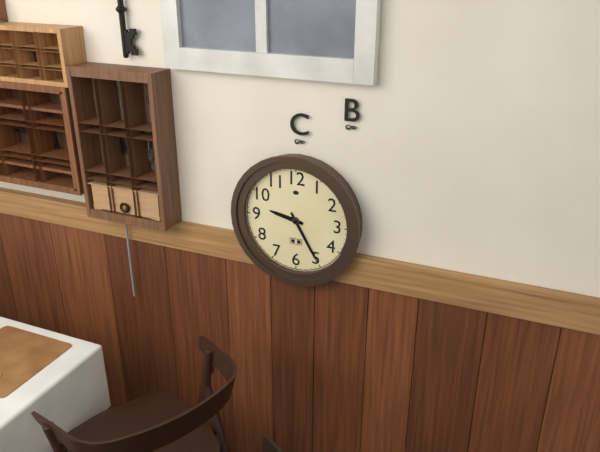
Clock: 9.25
